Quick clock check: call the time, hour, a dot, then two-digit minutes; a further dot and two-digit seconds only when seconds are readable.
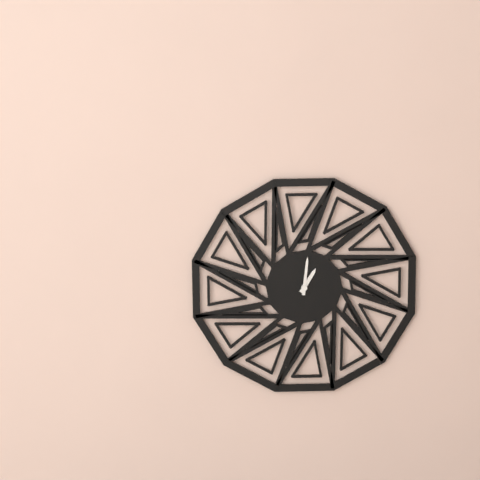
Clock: 1.01
